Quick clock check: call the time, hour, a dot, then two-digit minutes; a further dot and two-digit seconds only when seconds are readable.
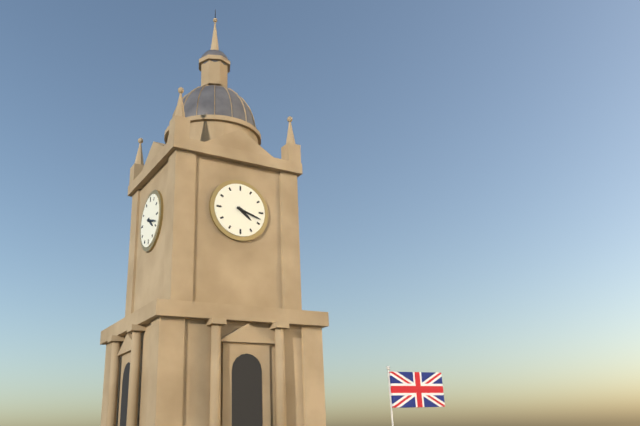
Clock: 4.18
